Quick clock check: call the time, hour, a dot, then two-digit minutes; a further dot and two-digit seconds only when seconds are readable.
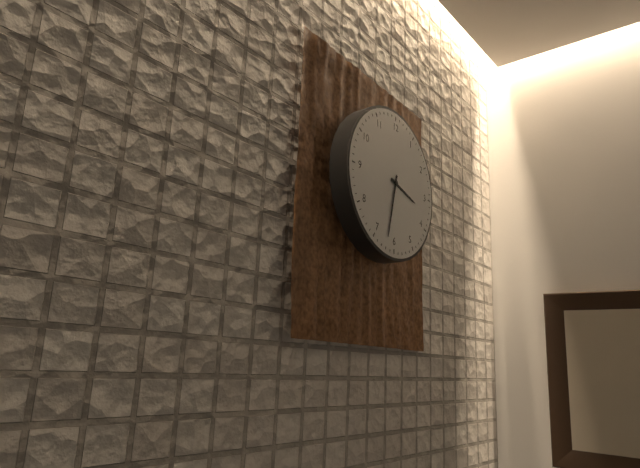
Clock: 3.32
